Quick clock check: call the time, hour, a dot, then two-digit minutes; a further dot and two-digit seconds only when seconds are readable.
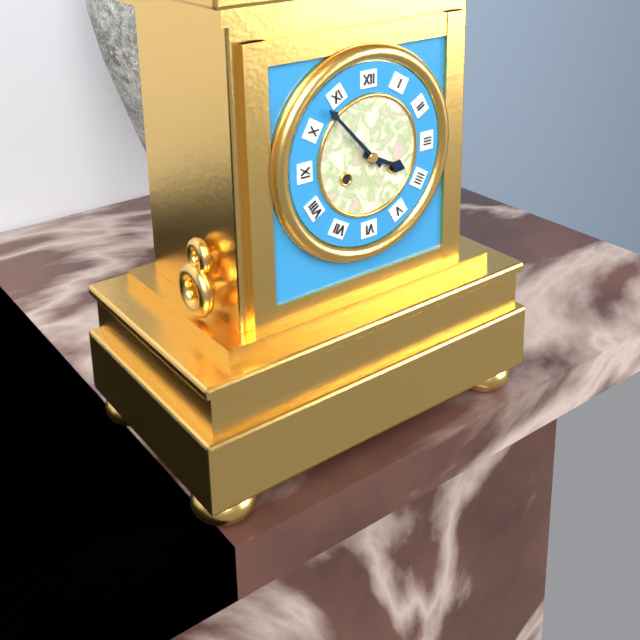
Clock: 3.53
